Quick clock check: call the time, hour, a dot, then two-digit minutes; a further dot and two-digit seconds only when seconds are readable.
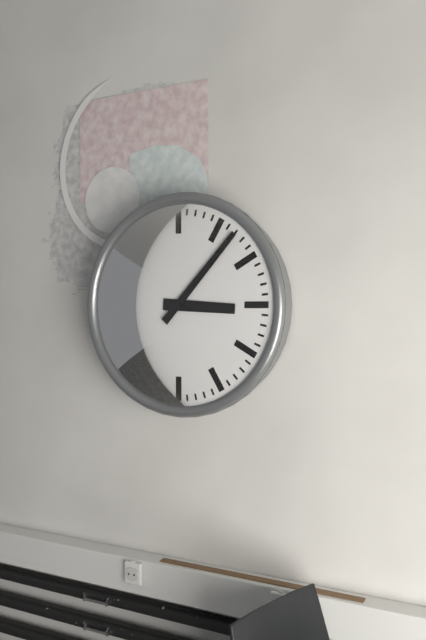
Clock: 3.07
